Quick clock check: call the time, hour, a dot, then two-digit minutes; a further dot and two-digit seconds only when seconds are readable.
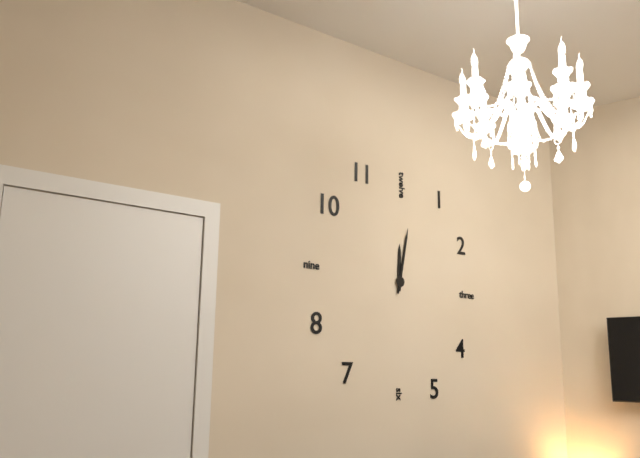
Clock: 12.02
